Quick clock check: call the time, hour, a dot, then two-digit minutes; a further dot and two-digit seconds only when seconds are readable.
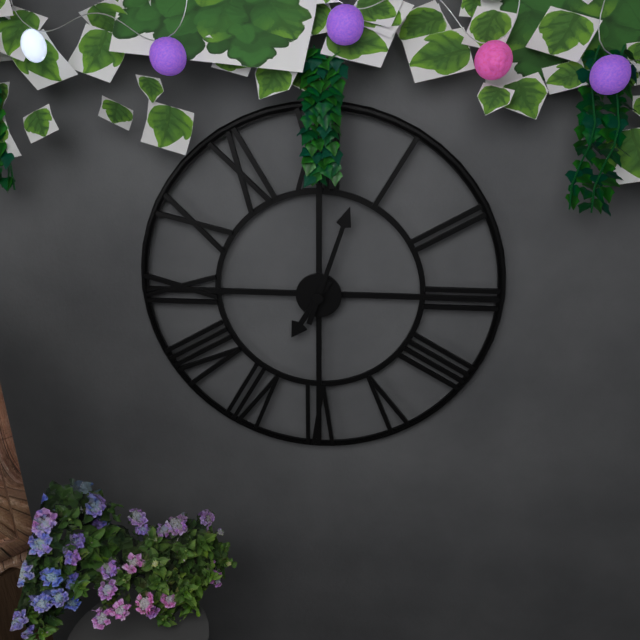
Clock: 7.03
